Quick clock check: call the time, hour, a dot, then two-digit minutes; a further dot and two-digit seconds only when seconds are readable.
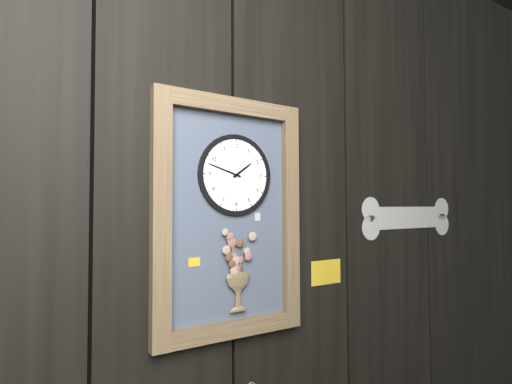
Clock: 1.48
